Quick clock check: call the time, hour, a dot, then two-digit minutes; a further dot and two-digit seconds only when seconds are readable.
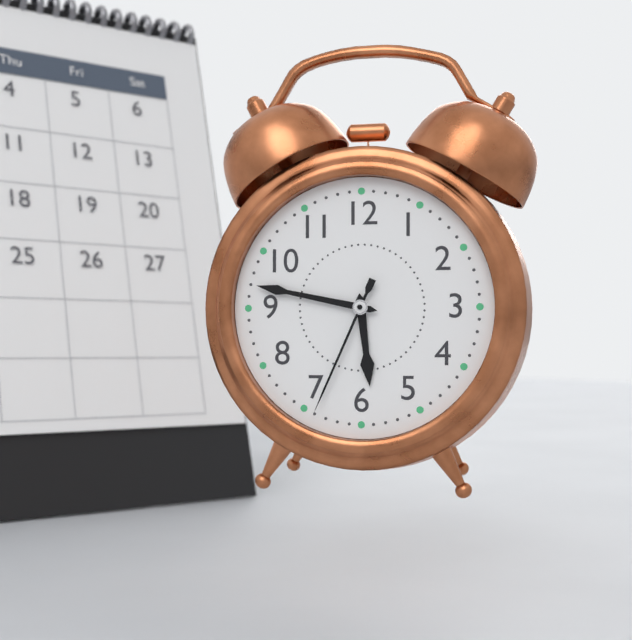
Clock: 5.47.34
